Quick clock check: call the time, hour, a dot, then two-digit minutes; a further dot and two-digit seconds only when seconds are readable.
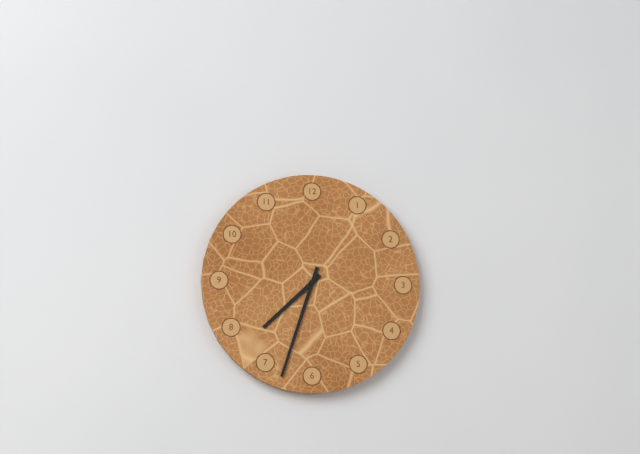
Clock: 7.33
